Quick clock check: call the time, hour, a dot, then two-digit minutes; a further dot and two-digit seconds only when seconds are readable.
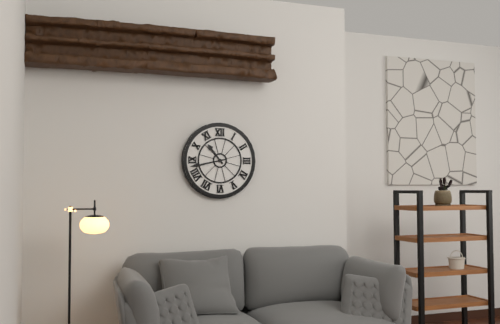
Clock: 10.43
